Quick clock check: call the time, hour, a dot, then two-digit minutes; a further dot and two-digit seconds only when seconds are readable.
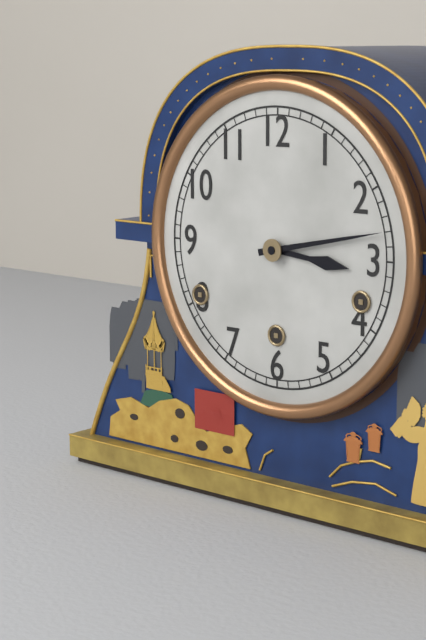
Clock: 3.13
